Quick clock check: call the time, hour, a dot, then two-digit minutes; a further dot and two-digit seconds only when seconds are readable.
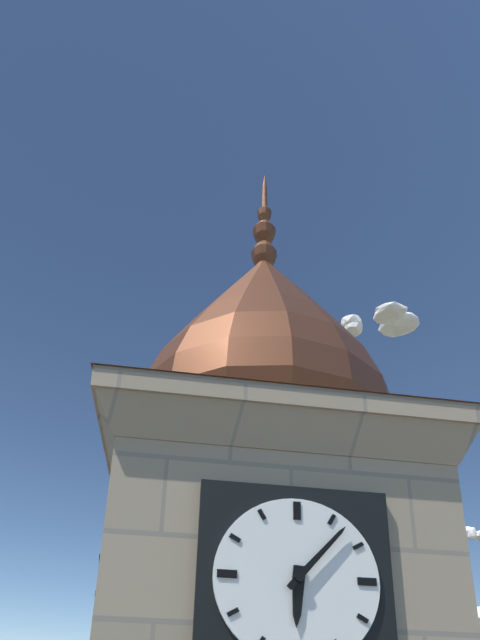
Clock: 6.07
